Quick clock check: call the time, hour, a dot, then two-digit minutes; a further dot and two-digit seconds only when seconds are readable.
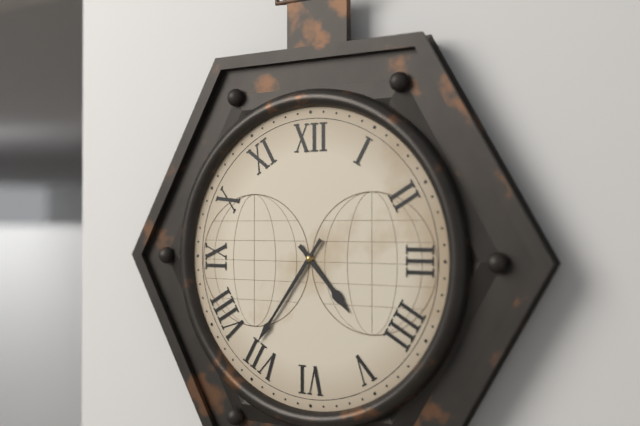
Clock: 4.36
